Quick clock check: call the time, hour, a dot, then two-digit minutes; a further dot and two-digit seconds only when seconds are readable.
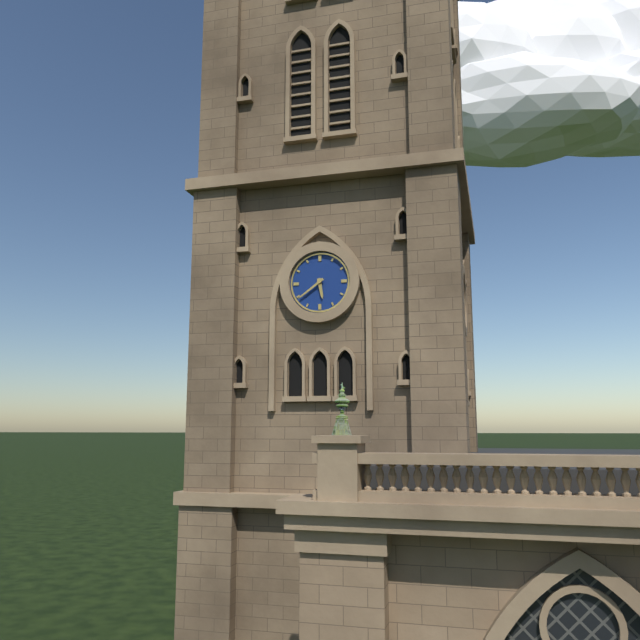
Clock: 5.39
